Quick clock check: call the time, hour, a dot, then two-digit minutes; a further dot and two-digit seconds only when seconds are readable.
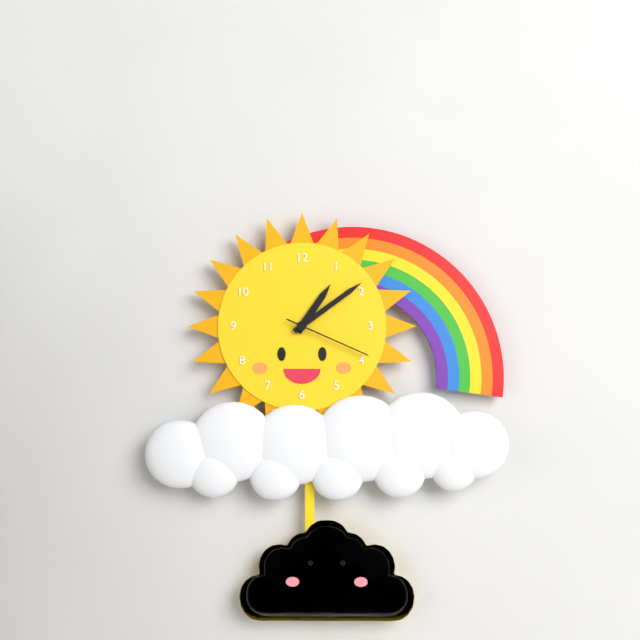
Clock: 1.09.19
